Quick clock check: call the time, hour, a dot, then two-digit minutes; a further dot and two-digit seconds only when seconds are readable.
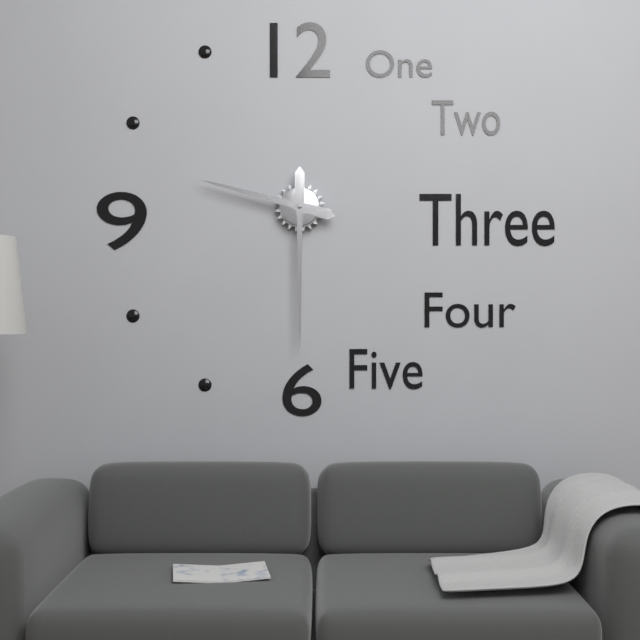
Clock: 9.30
